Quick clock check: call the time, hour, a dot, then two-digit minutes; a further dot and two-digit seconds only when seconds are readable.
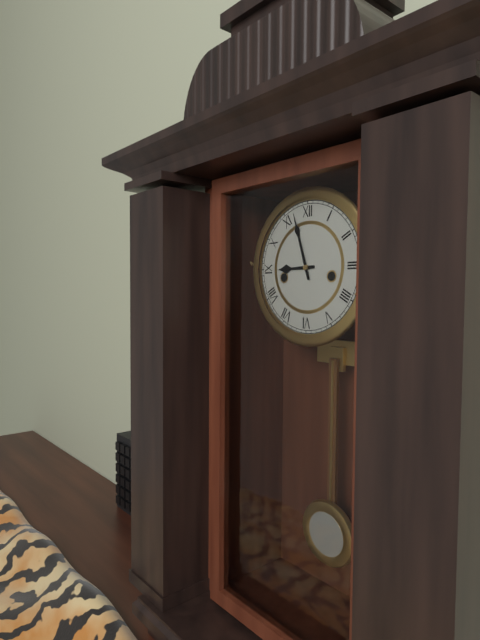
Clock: 8.57
